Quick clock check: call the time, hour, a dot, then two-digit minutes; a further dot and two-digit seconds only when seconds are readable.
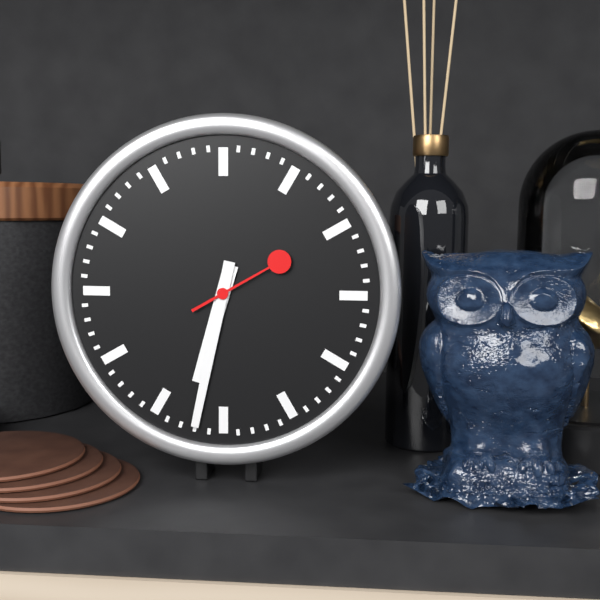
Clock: 6.32.10
